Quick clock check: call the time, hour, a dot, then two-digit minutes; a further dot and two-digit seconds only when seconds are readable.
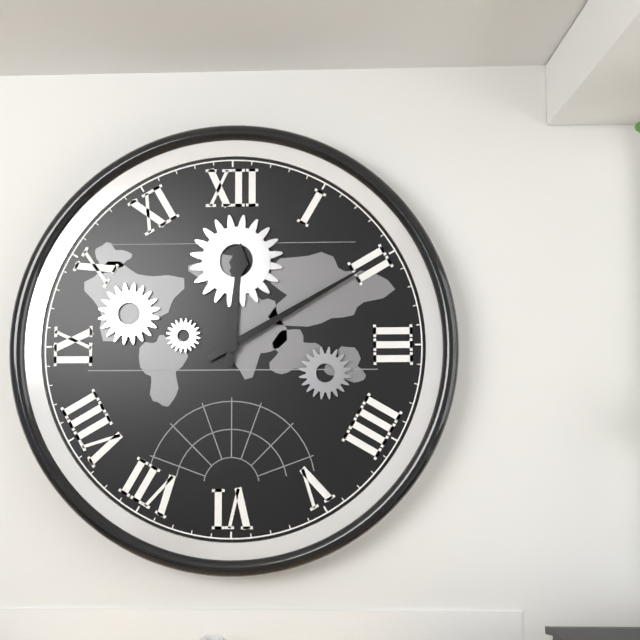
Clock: 12.10
